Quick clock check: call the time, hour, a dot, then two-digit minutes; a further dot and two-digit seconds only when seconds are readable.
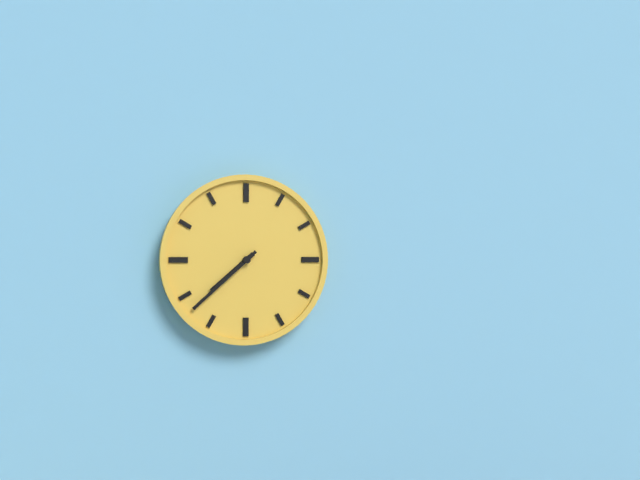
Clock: 7.38
